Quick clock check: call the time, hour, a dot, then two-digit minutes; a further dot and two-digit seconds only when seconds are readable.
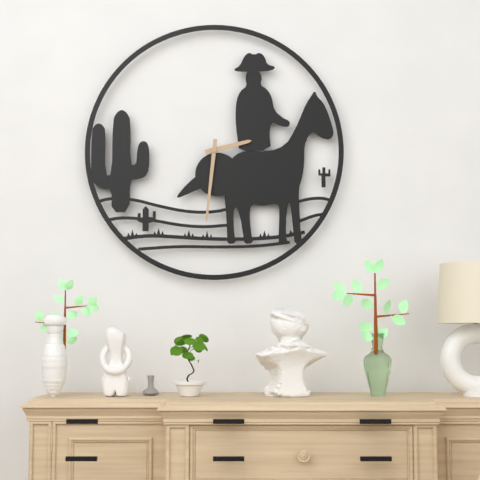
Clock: 2.31
